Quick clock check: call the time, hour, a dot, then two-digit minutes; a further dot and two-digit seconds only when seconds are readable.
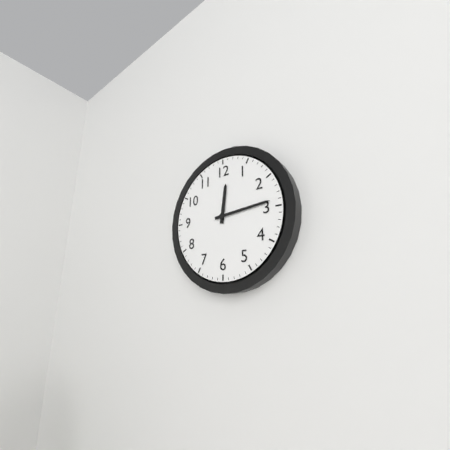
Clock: 12.14
